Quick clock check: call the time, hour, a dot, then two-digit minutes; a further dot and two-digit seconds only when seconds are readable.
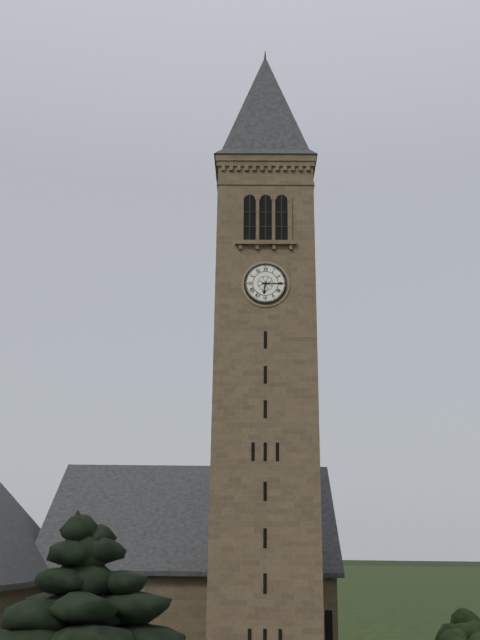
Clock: 6.15
